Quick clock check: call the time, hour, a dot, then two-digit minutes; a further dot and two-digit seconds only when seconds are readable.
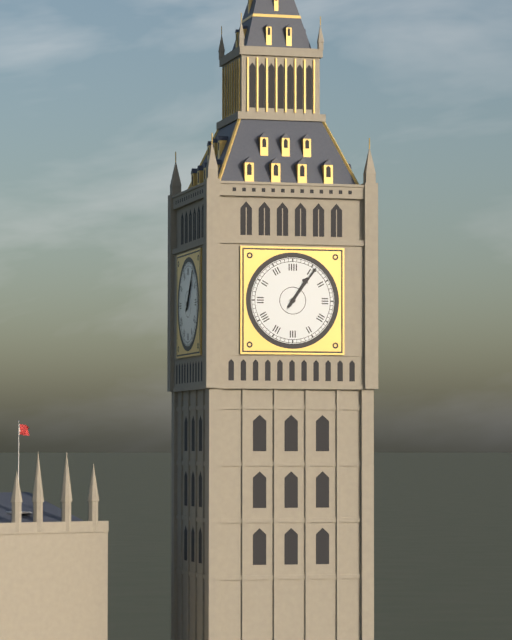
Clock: 1.06
